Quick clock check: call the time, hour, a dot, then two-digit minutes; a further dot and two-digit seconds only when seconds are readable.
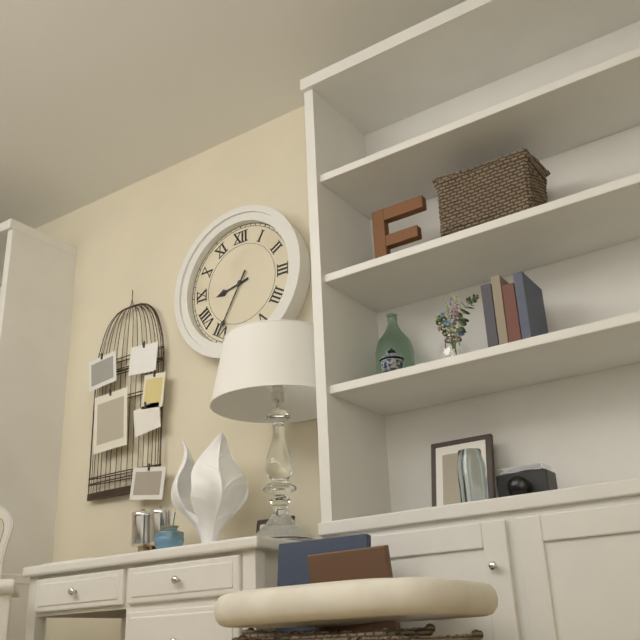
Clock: 8.35
